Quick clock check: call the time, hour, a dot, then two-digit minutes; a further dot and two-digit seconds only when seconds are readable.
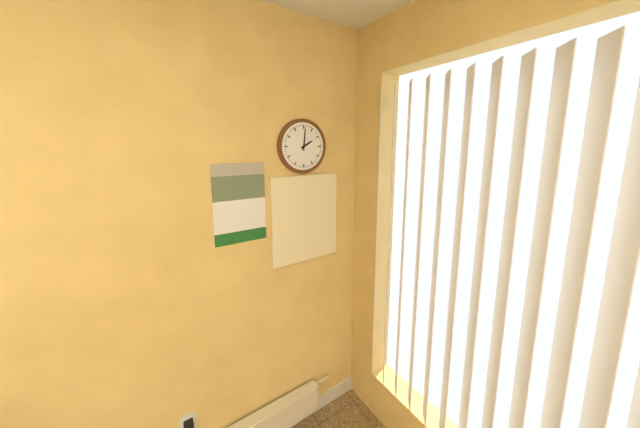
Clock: 2.01
